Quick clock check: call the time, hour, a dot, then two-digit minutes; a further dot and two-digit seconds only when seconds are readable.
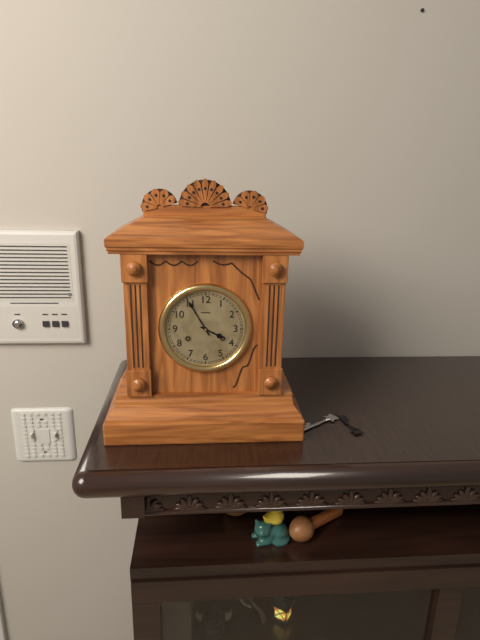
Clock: 3.55
